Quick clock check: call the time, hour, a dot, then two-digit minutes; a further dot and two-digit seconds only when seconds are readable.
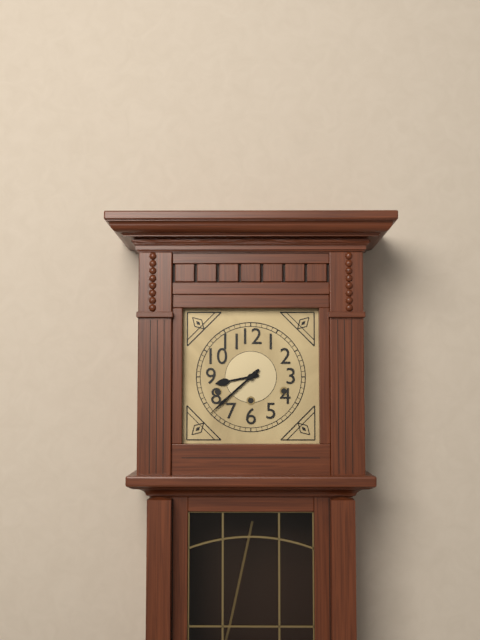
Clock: 8.38
